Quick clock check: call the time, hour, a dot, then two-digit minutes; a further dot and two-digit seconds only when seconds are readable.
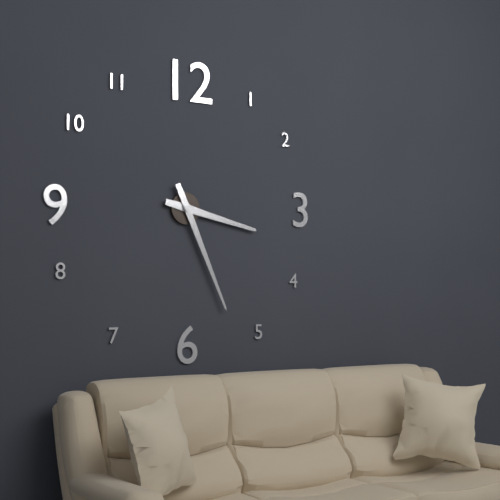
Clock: 3.26
